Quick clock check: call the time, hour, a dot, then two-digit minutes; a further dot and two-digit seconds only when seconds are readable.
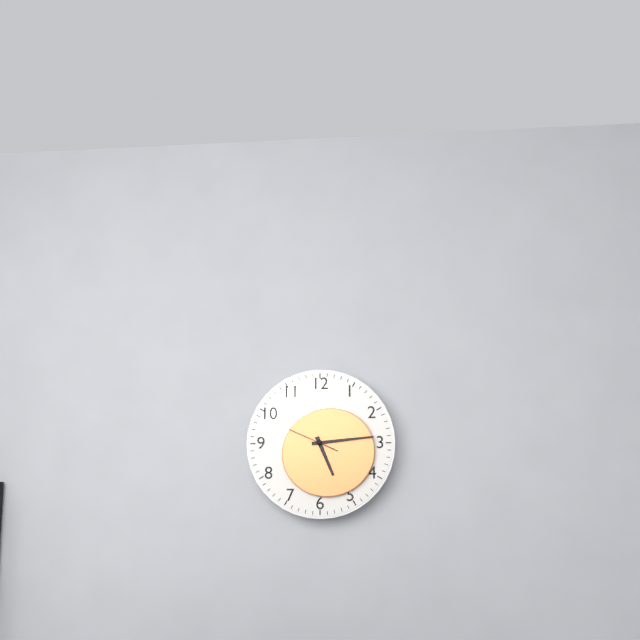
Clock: 5.14.49
